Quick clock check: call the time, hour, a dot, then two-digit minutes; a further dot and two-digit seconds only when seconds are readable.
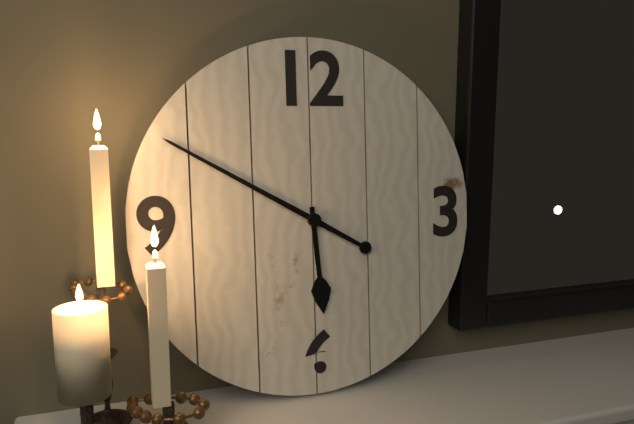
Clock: 5.50
